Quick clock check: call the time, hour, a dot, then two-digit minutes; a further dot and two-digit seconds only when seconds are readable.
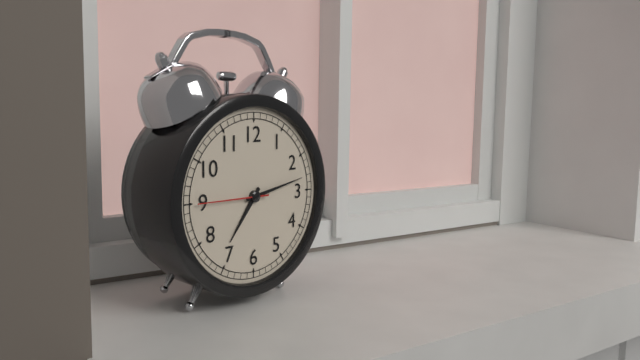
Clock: 7.13.45
